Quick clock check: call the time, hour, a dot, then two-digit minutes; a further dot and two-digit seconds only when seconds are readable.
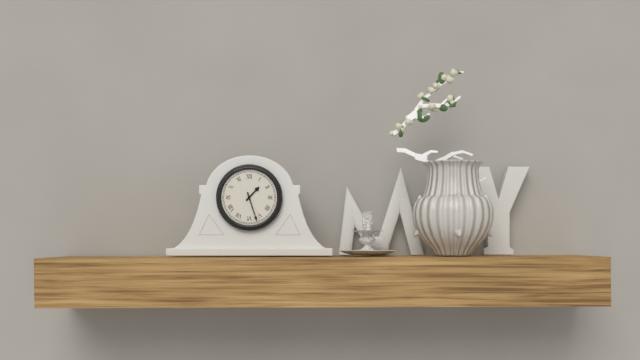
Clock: 1.27
